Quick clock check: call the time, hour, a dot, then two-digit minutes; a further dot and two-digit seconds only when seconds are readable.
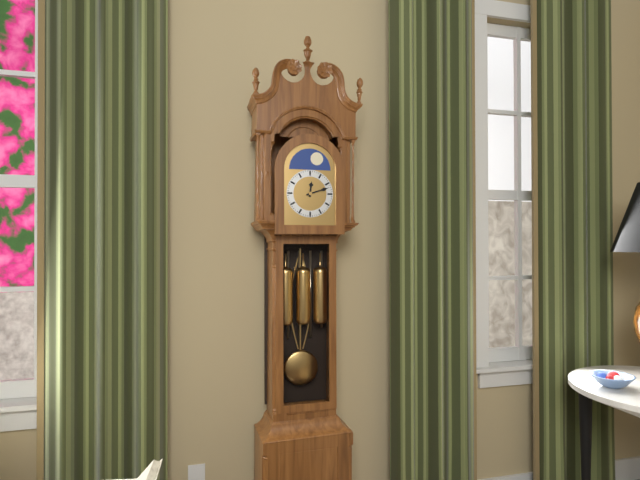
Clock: 12.12
